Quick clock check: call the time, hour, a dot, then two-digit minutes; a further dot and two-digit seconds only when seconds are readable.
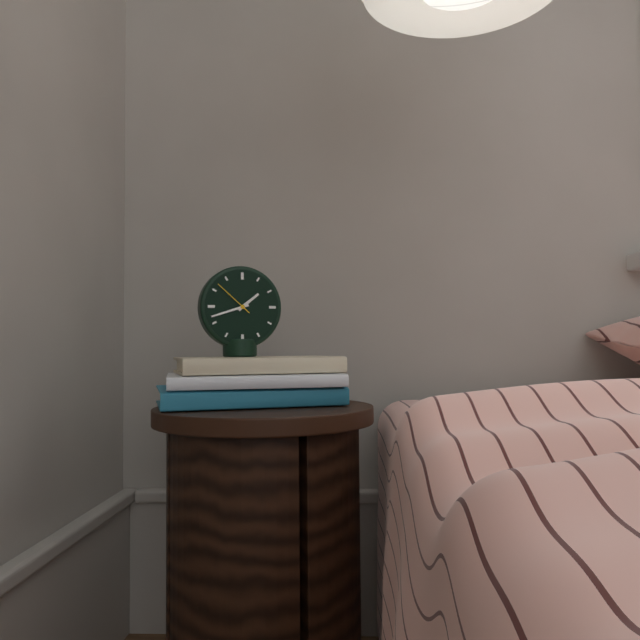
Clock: 1.42
